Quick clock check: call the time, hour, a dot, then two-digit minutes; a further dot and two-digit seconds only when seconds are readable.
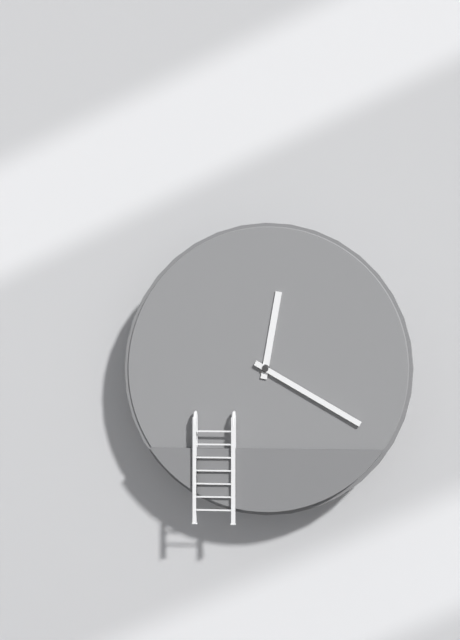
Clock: 12.20
